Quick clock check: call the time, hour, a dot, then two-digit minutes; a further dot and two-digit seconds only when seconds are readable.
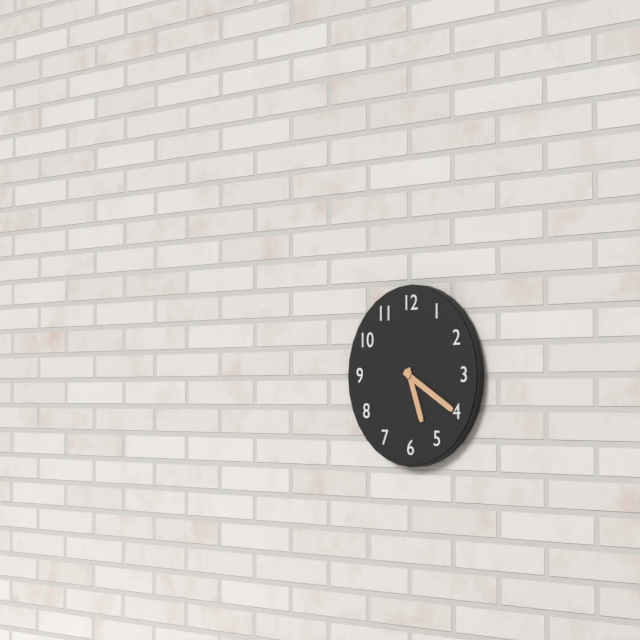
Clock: 5.20
